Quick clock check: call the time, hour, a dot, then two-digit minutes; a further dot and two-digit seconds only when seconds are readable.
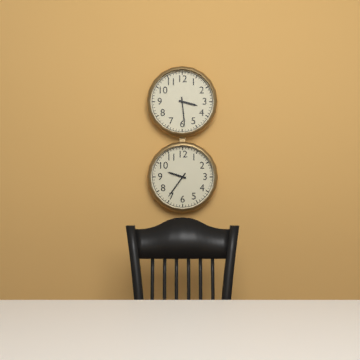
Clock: 3.29
